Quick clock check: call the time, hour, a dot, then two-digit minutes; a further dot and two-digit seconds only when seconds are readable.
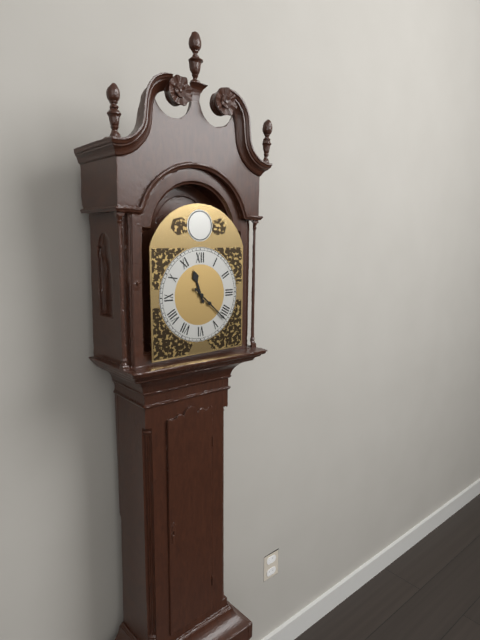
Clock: 11.22
